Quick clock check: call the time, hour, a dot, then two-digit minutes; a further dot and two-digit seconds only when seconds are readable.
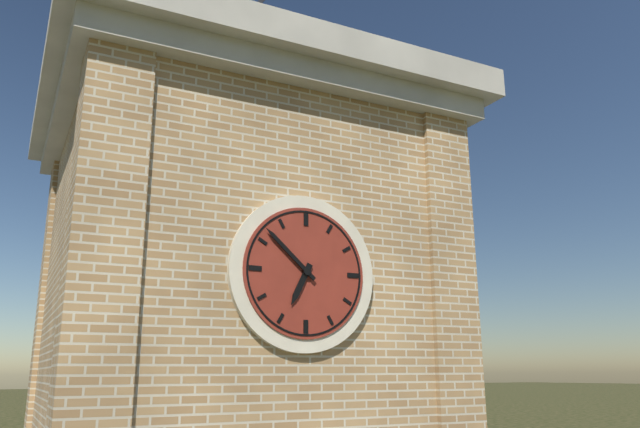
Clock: 6.52
